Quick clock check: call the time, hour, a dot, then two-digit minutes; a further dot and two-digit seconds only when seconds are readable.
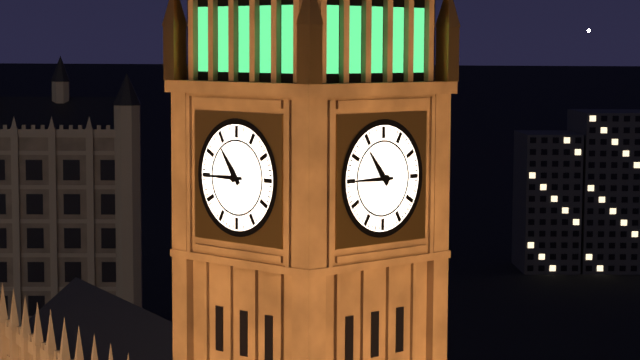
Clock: 10.45
